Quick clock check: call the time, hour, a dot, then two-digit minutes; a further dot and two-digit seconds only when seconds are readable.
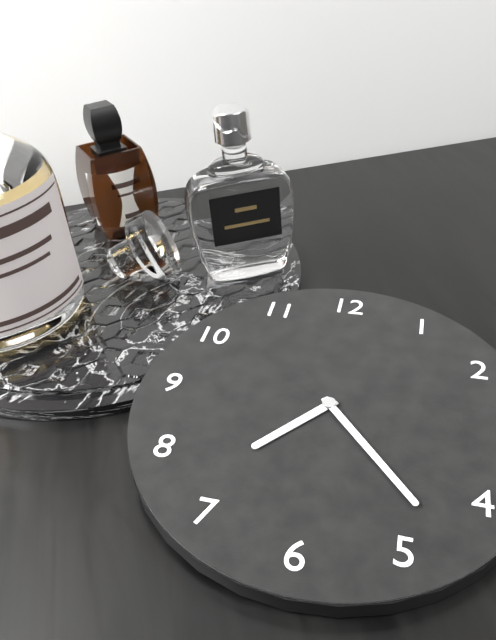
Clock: 7.23
